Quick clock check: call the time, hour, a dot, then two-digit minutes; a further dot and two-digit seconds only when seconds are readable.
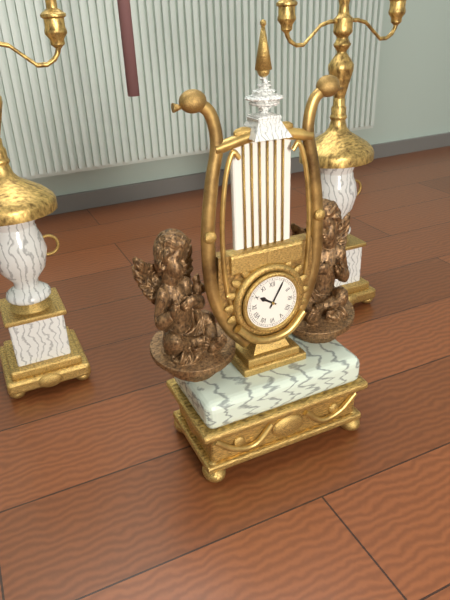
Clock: 10.05
